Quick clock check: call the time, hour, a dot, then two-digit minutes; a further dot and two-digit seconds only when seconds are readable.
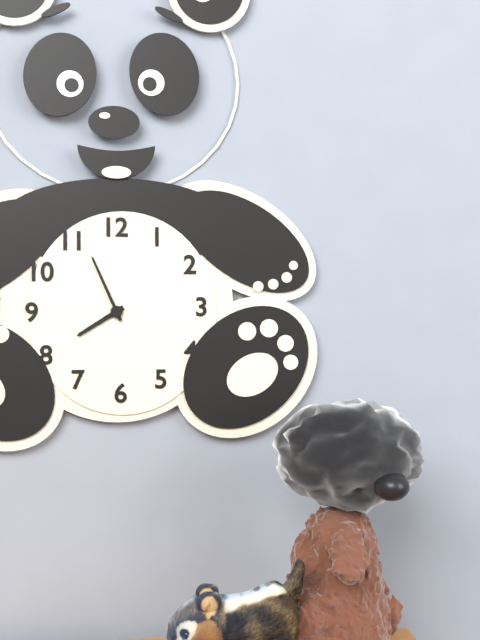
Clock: 7.56
